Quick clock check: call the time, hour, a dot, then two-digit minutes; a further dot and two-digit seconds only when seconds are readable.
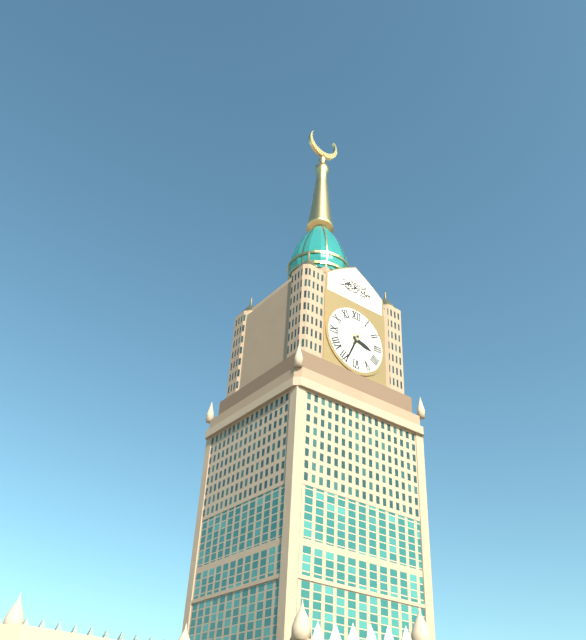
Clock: 3.34
